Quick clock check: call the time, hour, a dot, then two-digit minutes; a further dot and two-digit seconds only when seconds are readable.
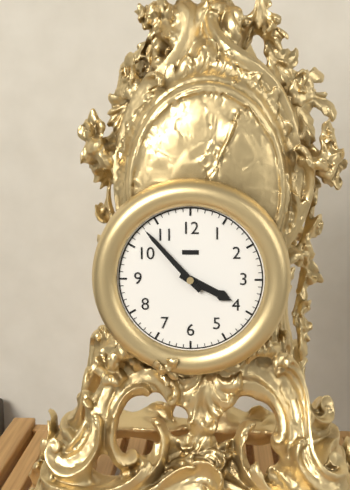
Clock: 3.53
